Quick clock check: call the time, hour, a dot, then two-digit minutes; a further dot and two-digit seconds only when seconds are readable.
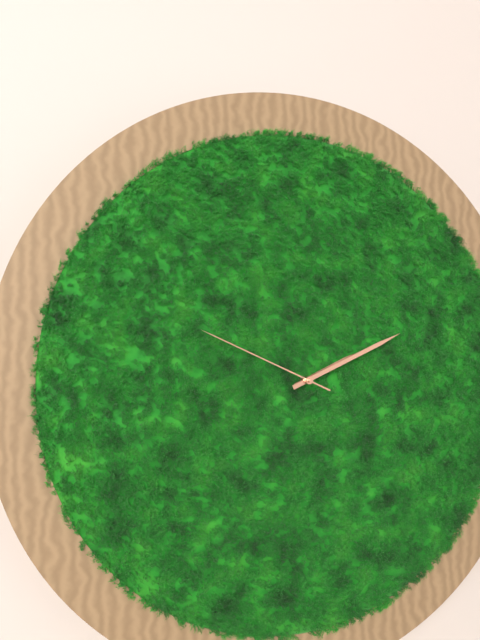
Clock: 2.11.49
